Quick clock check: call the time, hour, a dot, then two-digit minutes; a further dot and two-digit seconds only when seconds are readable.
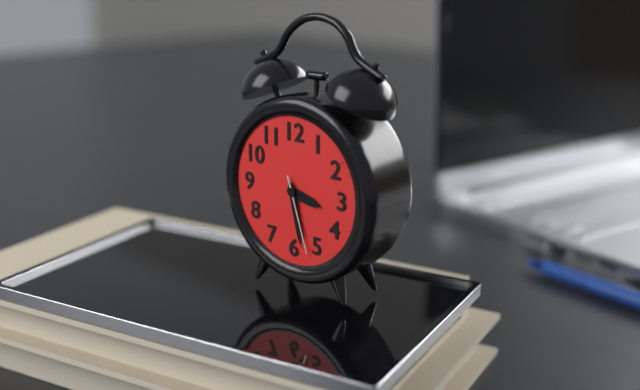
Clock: 3.28.27
